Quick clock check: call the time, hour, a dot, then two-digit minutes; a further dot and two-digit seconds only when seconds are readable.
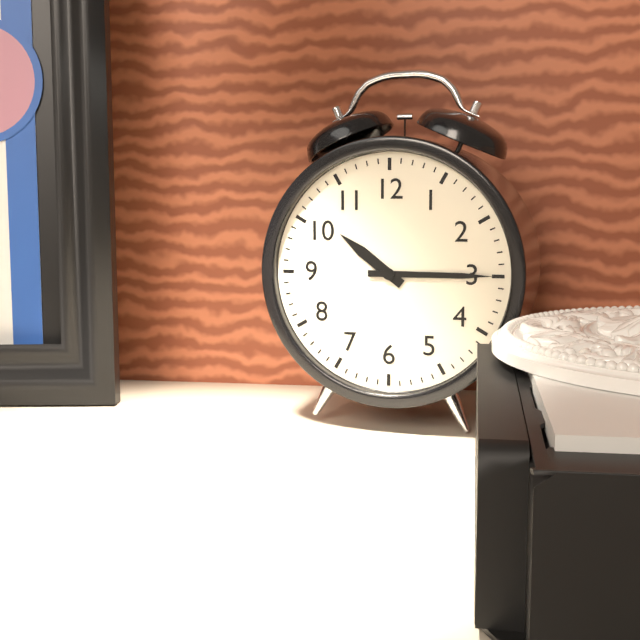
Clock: 10.15
